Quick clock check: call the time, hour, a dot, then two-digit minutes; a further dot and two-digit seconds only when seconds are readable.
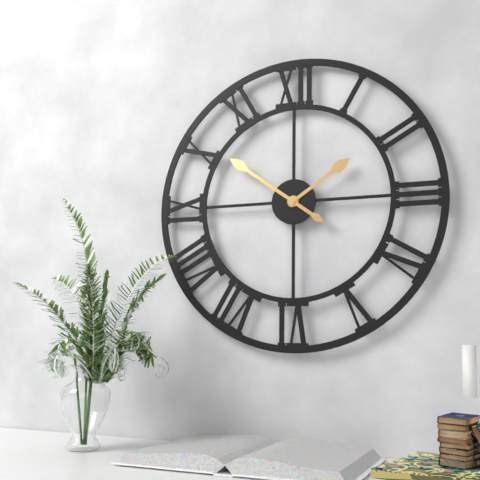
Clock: 1.51
